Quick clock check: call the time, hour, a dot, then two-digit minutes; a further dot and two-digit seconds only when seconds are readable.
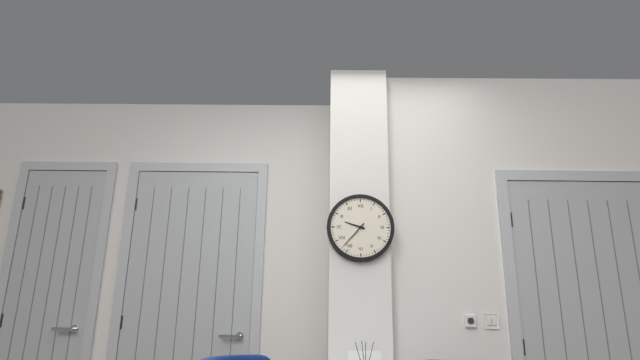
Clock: 9.37
